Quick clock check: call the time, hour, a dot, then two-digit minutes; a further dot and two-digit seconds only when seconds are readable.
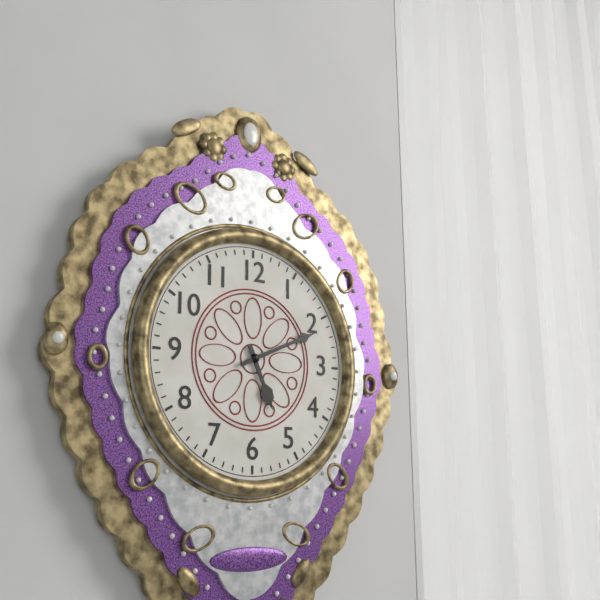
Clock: 5.11
